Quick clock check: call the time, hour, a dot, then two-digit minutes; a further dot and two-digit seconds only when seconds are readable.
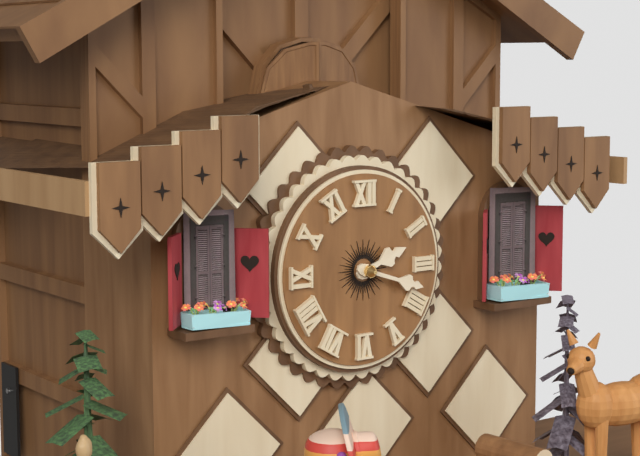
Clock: 2.18
